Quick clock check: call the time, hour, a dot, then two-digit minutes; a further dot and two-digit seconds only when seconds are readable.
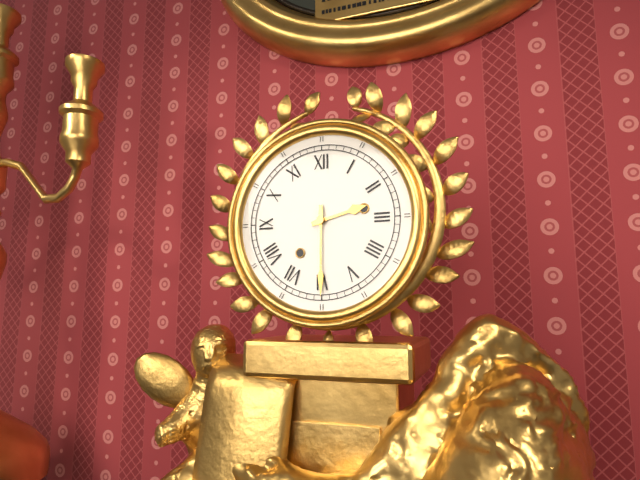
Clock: 2.30
